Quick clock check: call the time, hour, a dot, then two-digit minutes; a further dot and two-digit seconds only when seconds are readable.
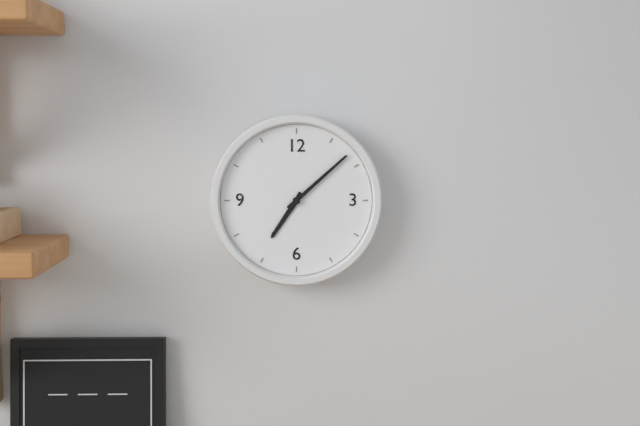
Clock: 7.08
